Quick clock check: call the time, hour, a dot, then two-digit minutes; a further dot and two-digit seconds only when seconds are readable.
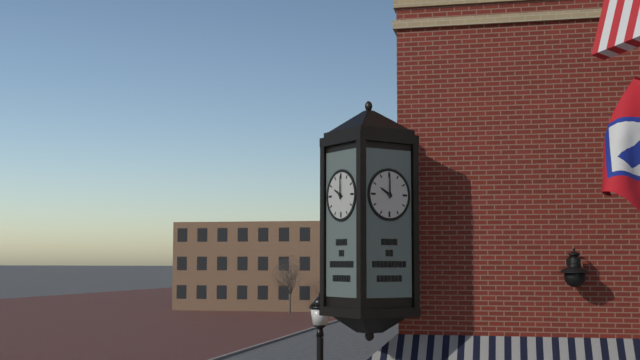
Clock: 10.00
